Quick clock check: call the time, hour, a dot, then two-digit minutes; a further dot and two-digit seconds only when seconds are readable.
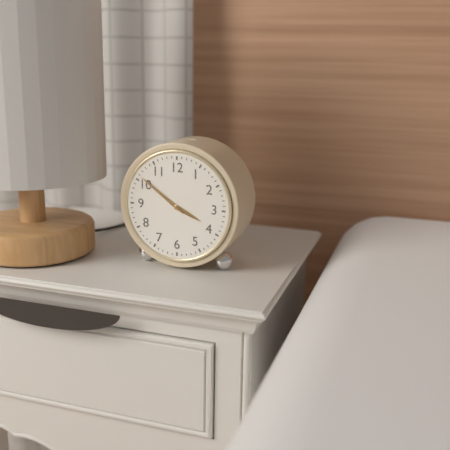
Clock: 3.51
